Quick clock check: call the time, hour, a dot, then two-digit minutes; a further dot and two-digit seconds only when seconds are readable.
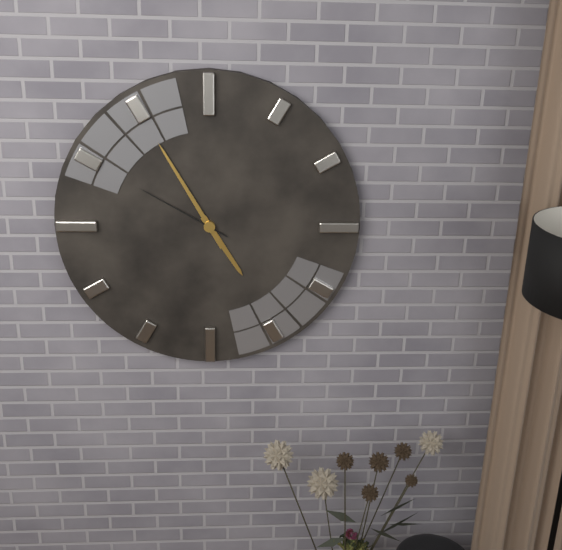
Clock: 4.55.50
